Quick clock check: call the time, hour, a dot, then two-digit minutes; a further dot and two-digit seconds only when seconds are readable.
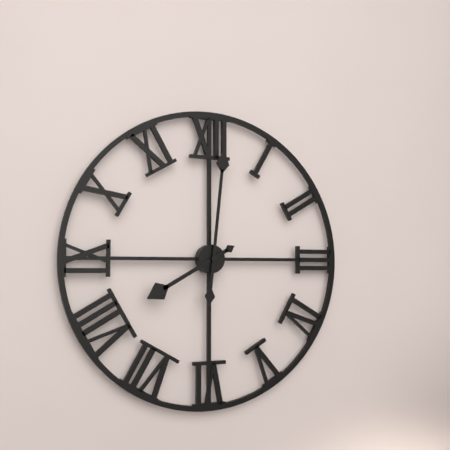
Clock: 8.01
